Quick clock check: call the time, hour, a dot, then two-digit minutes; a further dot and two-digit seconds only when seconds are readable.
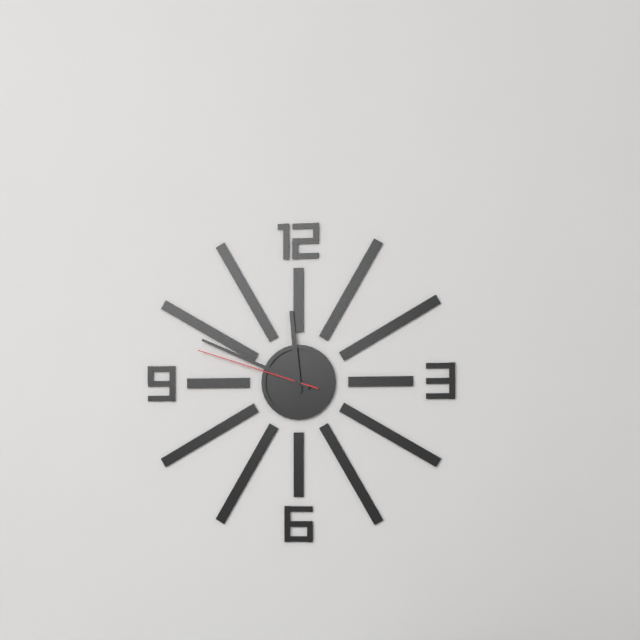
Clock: 11.49.48
